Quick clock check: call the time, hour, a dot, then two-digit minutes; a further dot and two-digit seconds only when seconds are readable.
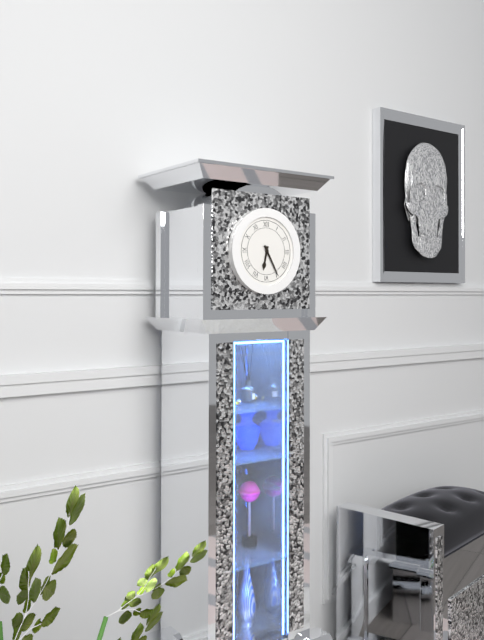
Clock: 6.25
